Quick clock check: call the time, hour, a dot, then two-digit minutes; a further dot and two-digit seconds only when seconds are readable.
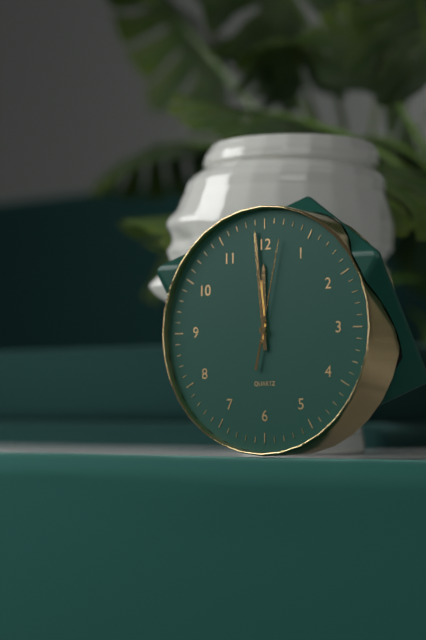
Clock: 11.59.02
